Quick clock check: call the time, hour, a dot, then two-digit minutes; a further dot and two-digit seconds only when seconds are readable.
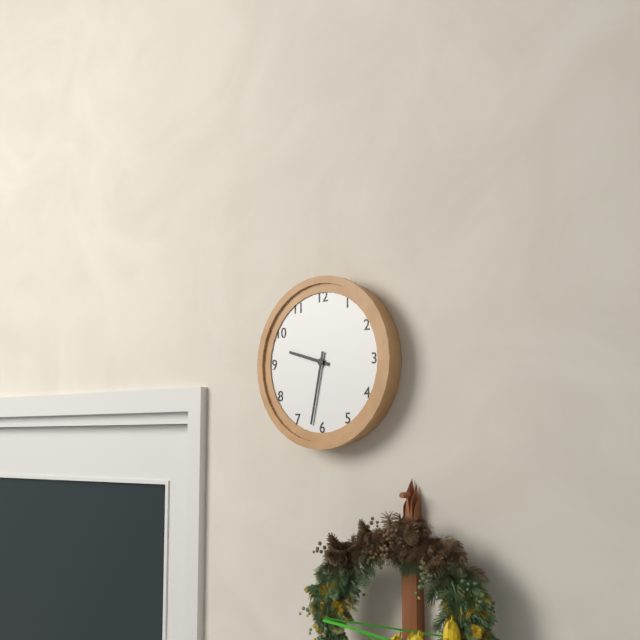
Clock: 9.32
